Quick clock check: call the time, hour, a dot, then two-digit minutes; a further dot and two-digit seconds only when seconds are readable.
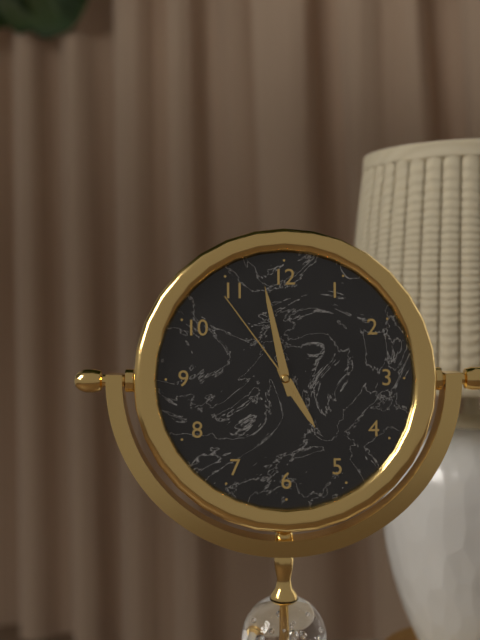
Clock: 4.58.54
